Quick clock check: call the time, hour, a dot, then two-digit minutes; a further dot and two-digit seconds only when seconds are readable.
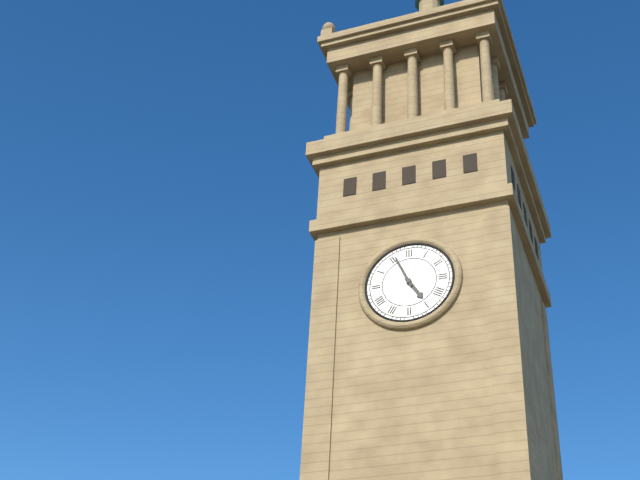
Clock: 4.56
